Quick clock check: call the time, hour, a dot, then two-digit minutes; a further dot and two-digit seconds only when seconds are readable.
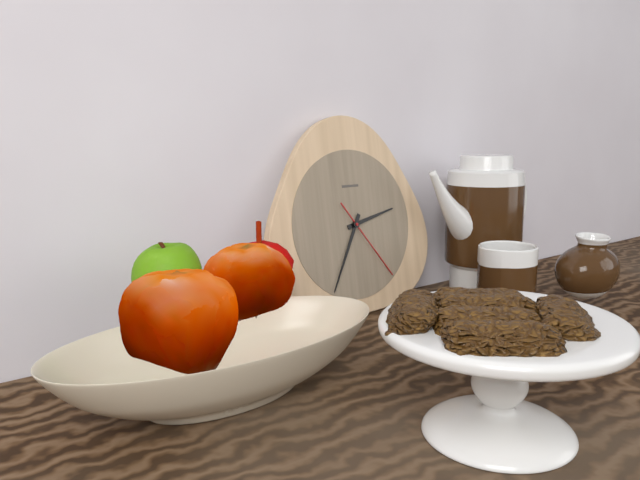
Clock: 2.35.24
